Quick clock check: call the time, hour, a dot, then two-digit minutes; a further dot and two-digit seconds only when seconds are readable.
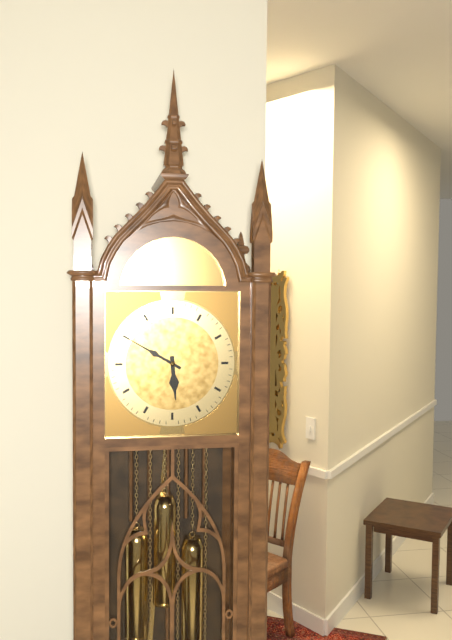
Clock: 5.50
